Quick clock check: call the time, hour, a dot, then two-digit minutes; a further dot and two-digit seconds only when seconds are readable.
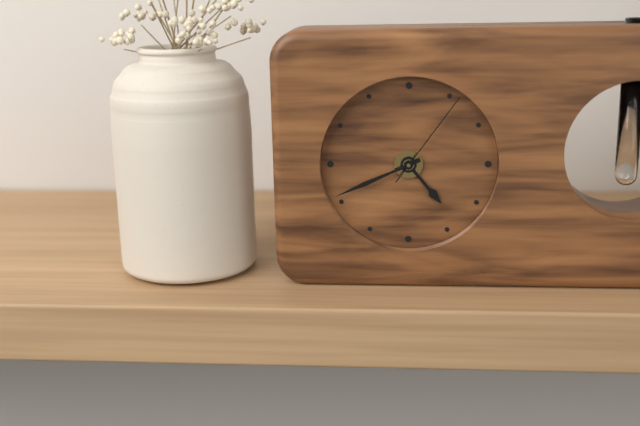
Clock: 4.41.06
